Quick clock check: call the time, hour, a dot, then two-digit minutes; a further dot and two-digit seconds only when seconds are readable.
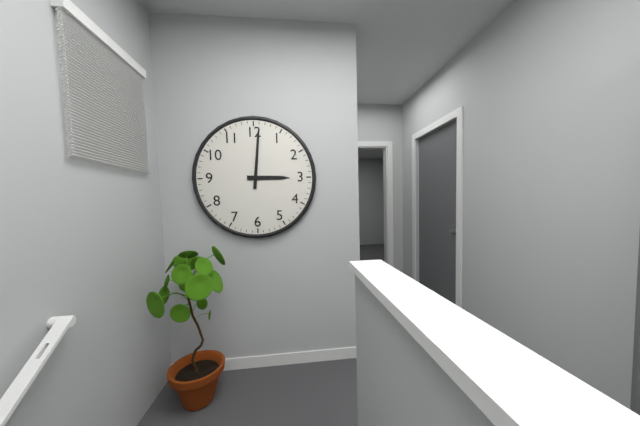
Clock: 3.01
